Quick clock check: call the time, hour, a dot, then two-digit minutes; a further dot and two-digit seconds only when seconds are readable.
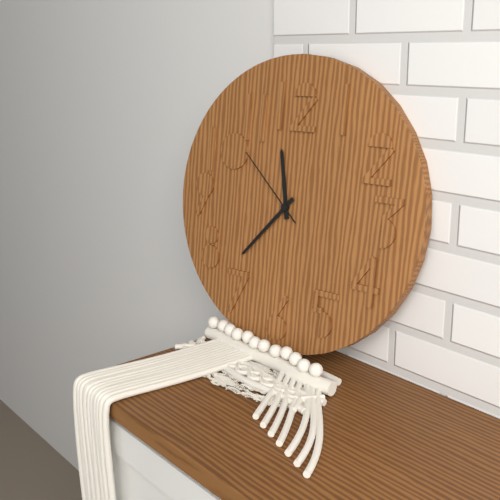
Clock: 11.37.52
